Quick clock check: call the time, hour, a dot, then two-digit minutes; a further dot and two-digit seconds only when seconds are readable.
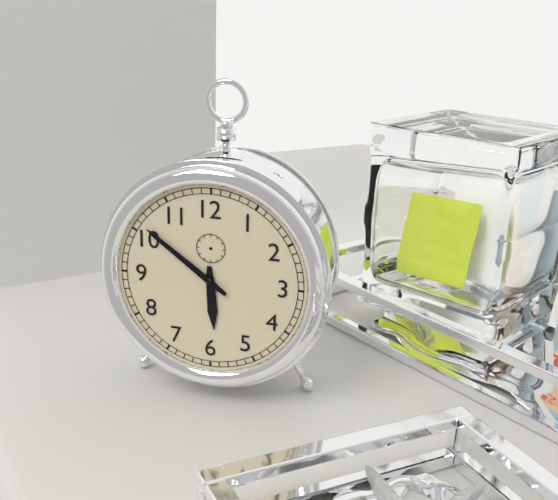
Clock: 5.51
